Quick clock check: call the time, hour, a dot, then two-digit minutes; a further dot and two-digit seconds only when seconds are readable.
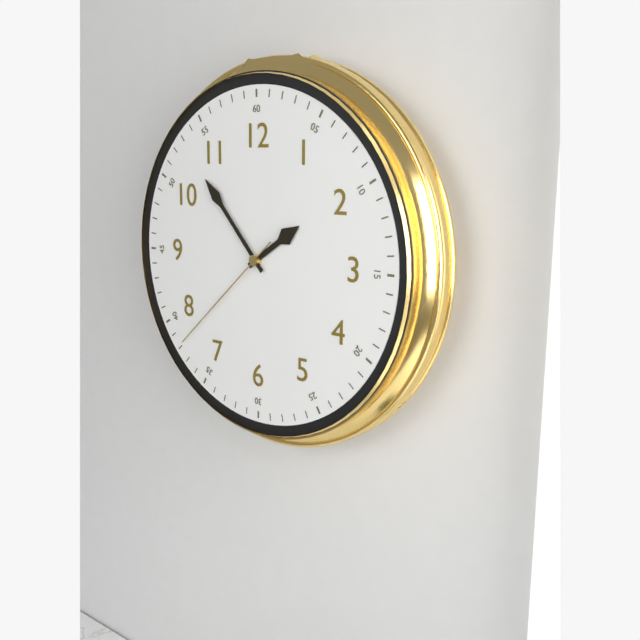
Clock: 1.53.38
